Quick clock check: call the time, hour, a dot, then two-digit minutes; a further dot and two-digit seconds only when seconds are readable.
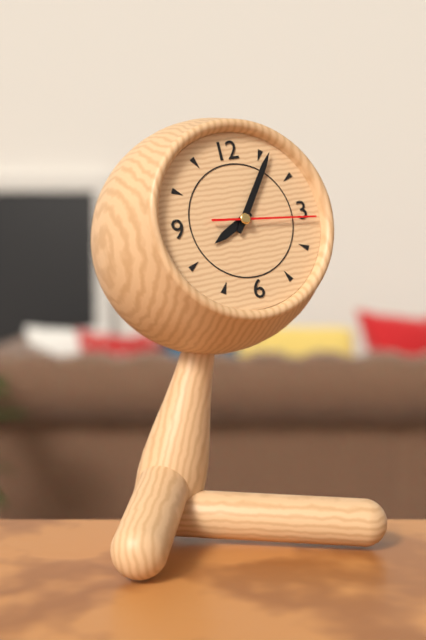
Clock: 8.06.16
